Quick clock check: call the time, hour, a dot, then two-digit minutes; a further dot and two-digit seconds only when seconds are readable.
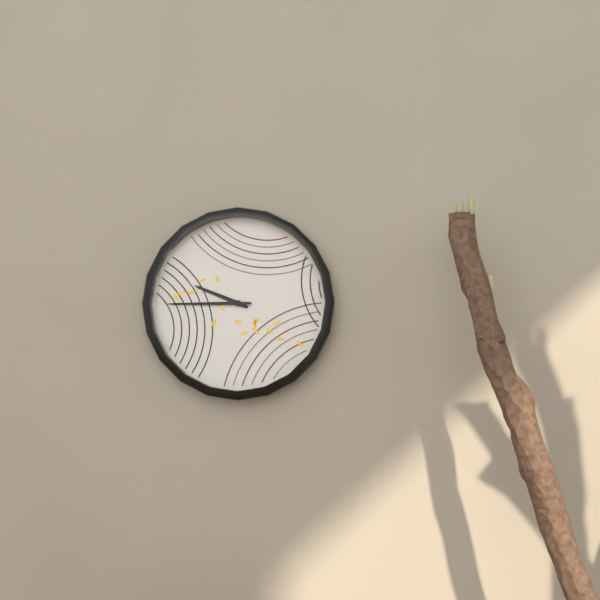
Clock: 9.45
